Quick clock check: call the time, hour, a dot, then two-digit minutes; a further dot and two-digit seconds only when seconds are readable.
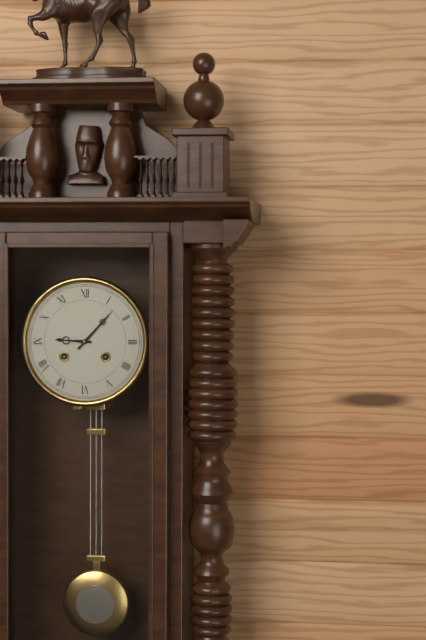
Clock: 9.07
